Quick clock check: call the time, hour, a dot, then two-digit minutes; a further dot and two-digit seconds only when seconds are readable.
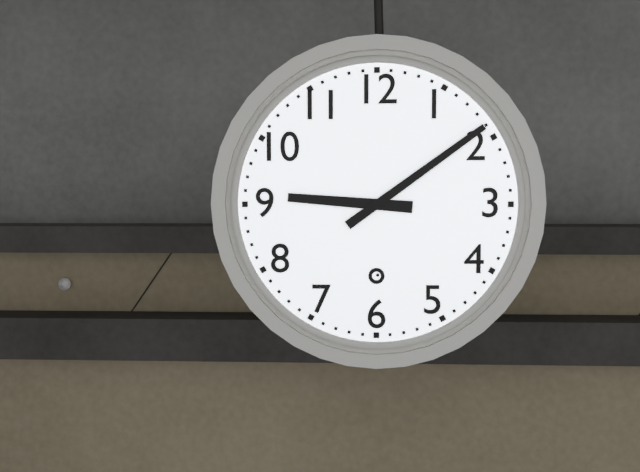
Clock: 9.09
